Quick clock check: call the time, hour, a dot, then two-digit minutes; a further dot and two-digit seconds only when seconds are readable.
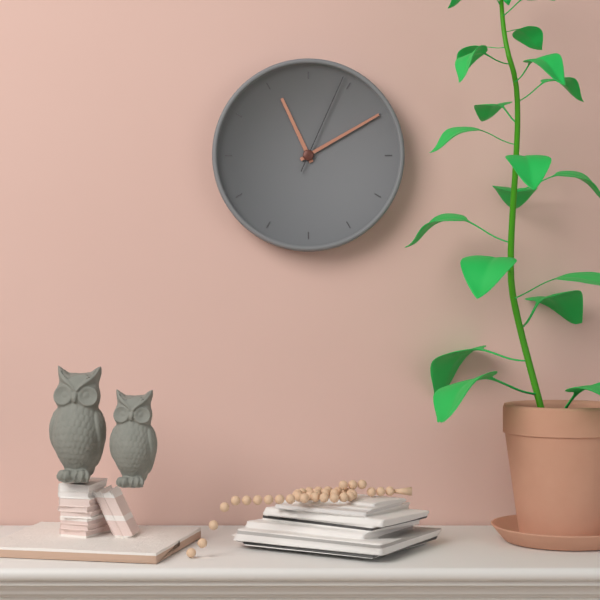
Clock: 11.10.04
